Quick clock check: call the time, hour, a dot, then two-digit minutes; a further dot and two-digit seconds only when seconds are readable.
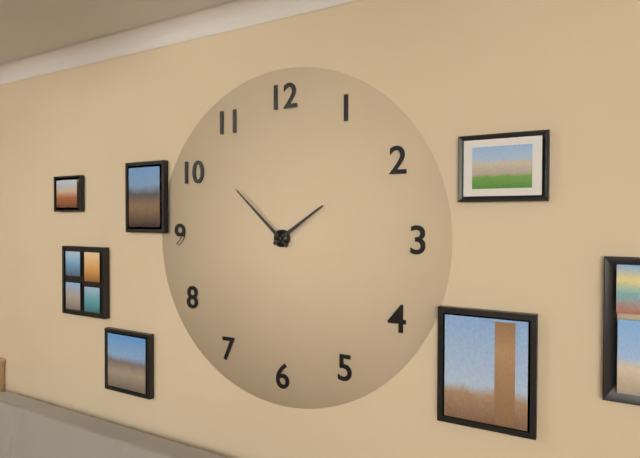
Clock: 1.52
